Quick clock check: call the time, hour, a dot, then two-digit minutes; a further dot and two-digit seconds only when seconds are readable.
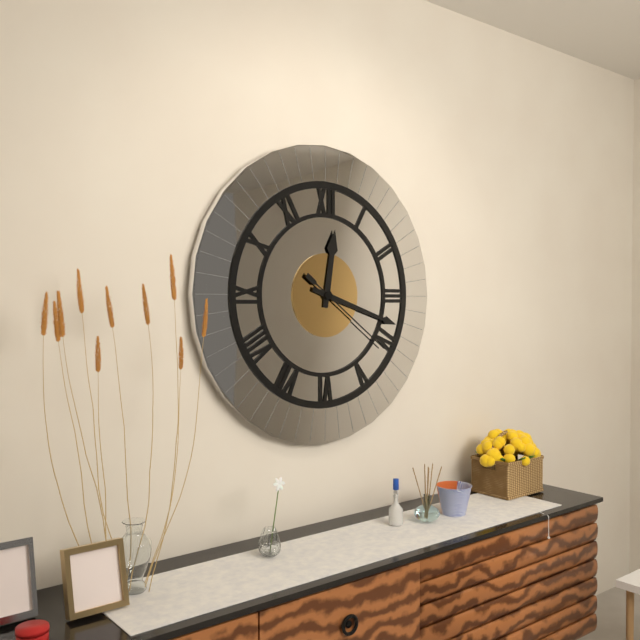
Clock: 12.18.21
